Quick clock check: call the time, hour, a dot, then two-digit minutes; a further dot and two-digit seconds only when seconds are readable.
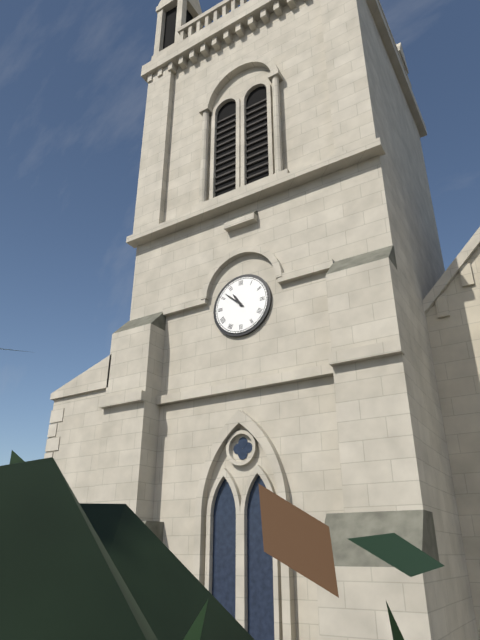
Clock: 10.52
